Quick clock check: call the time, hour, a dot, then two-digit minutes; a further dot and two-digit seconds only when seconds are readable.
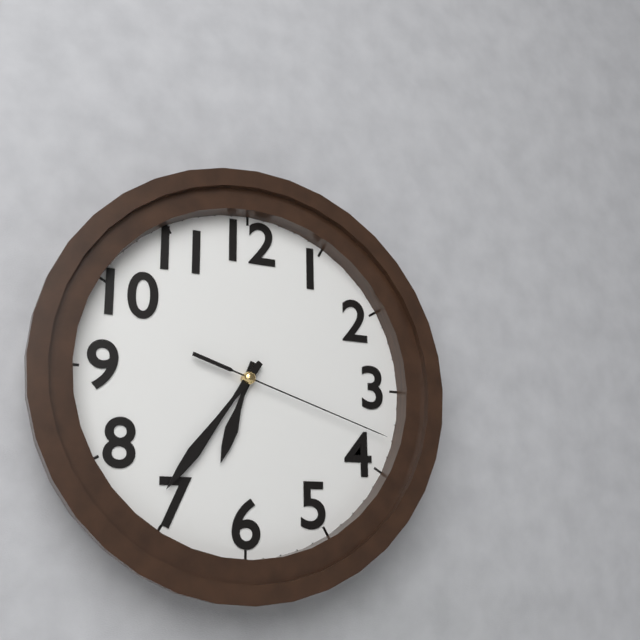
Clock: 6.36.18
